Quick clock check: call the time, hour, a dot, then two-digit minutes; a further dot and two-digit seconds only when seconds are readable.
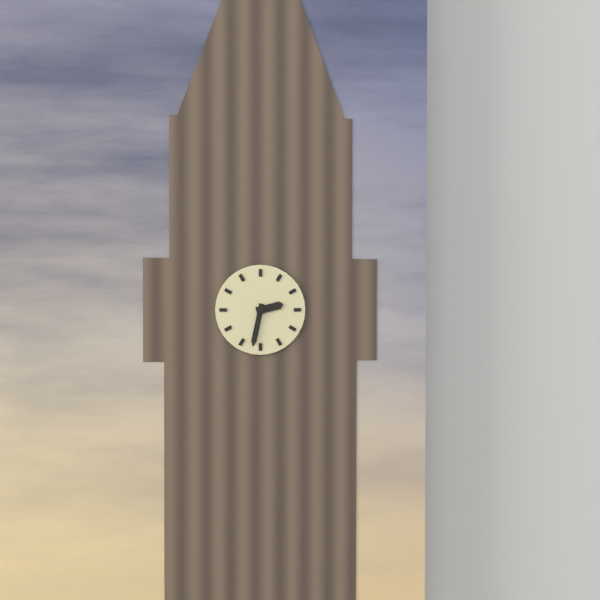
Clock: 2.32
